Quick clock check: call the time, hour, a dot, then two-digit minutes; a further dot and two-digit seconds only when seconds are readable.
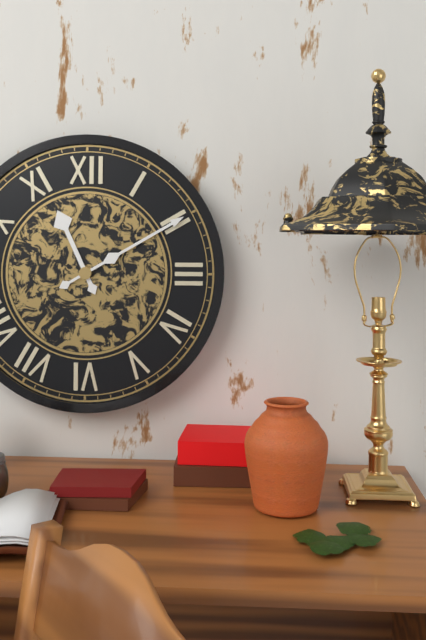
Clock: 11.10
